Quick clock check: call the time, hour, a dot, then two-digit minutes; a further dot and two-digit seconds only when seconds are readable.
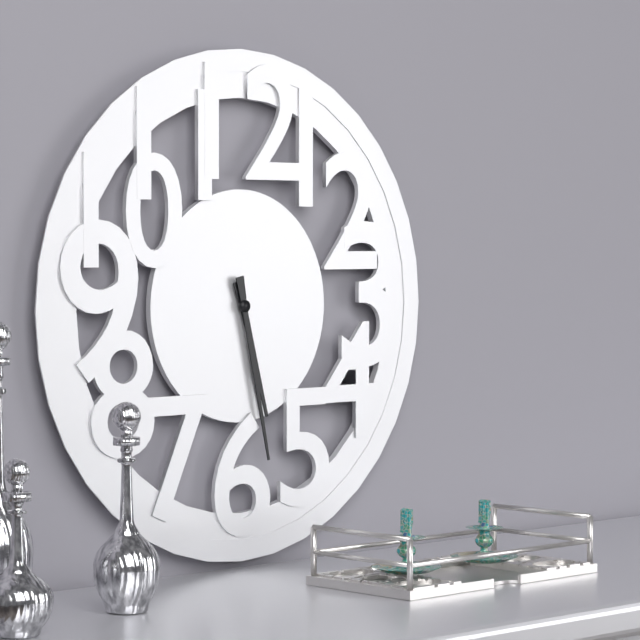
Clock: 5.28
